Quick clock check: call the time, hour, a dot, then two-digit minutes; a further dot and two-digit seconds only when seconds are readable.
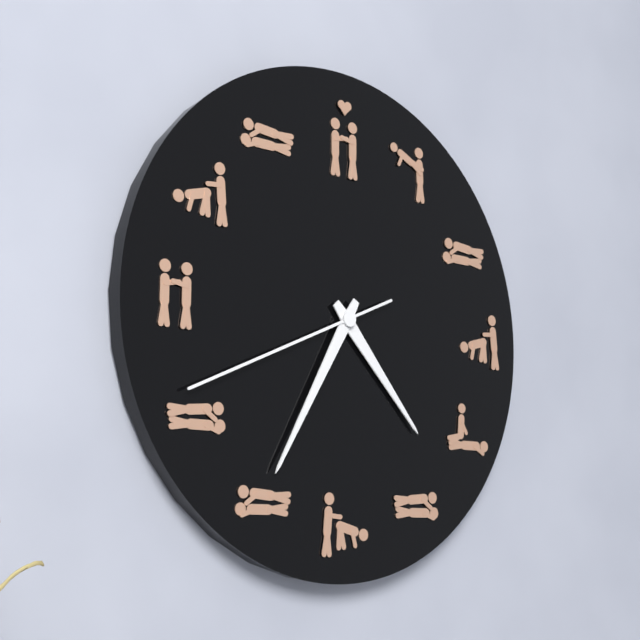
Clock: 4.35.41
